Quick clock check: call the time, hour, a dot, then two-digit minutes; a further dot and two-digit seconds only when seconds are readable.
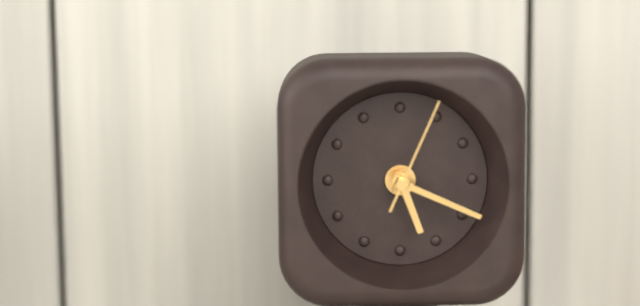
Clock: 5.19.04
